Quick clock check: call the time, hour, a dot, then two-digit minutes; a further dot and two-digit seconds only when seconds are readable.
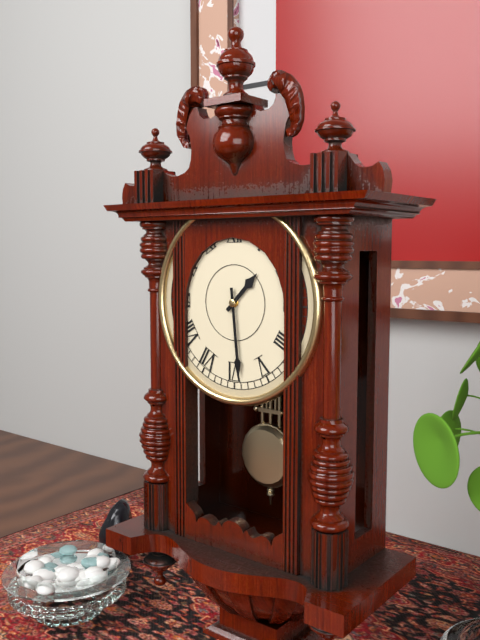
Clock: 1.29
